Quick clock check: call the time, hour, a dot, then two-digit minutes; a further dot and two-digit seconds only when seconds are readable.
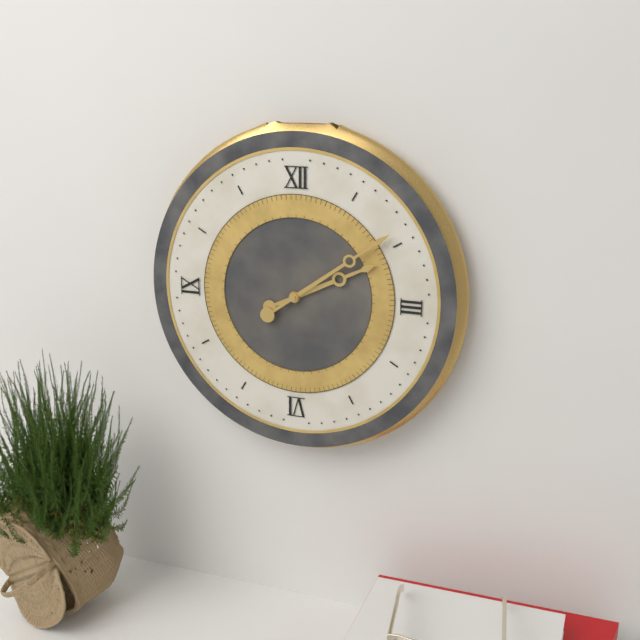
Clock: 2.09
